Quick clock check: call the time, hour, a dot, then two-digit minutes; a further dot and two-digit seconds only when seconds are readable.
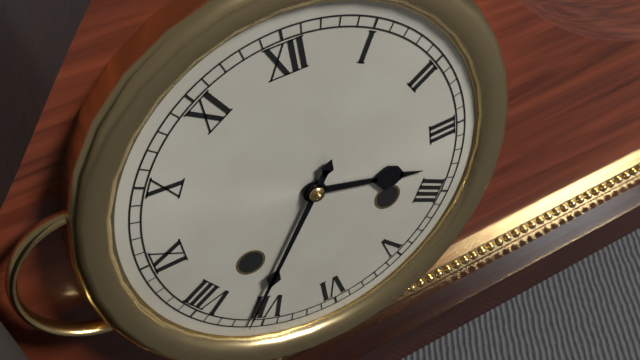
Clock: 3.36
